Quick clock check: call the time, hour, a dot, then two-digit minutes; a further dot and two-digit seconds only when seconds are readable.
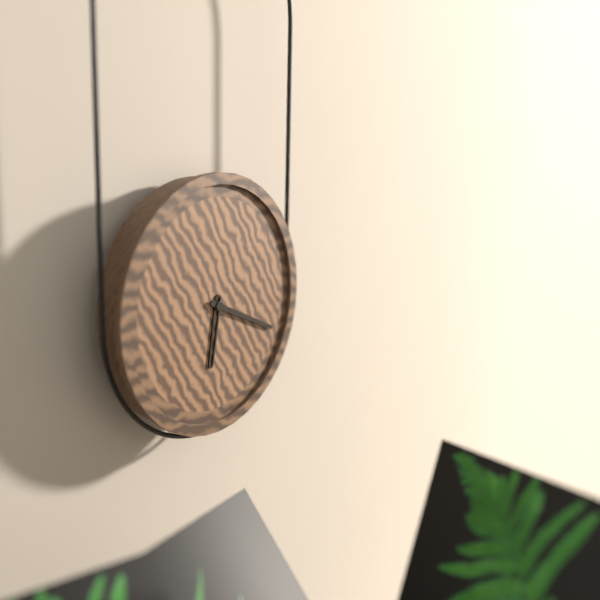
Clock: 6.19
